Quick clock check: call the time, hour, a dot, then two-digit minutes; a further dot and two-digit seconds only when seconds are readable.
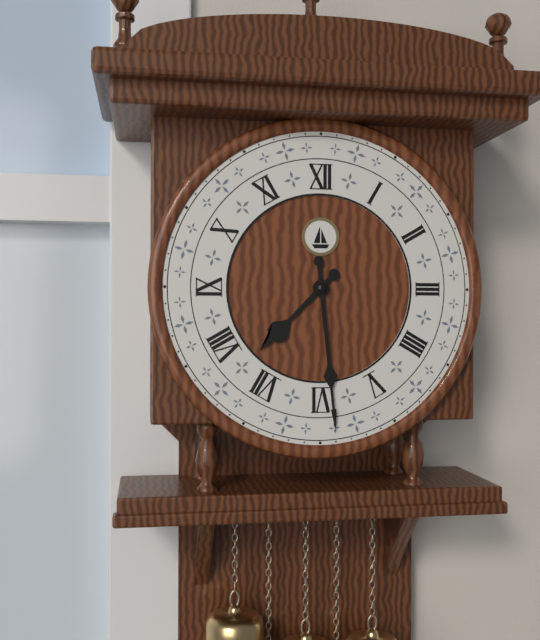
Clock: 7.29
